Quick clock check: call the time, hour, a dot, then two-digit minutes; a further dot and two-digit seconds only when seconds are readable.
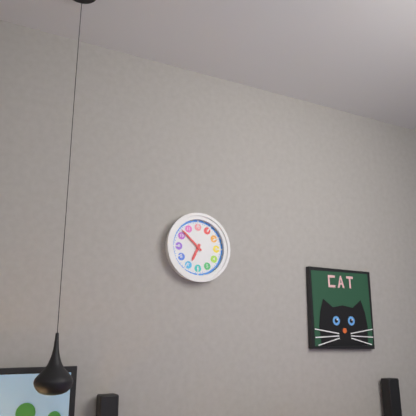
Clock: 6.52
